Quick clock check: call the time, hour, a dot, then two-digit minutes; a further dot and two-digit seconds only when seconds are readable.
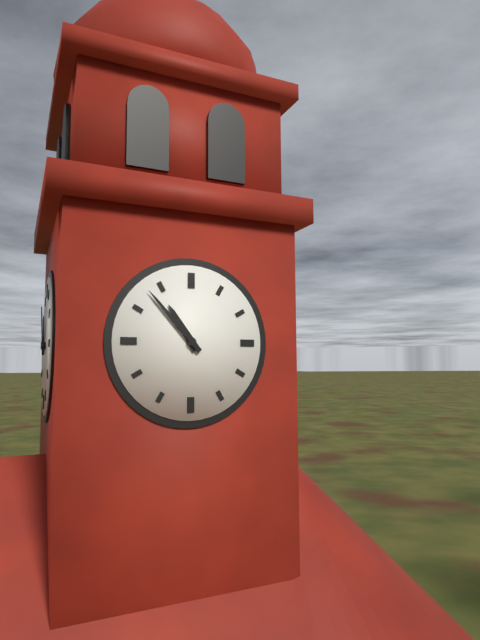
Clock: 10.53
